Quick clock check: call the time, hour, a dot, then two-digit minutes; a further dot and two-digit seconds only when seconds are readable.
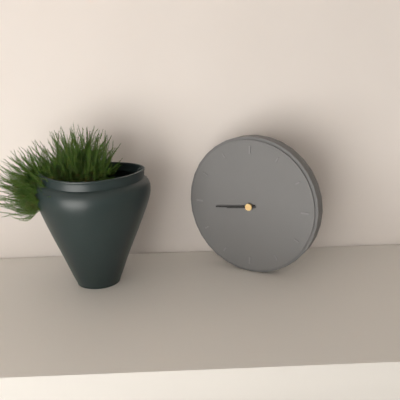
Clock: 8.44
